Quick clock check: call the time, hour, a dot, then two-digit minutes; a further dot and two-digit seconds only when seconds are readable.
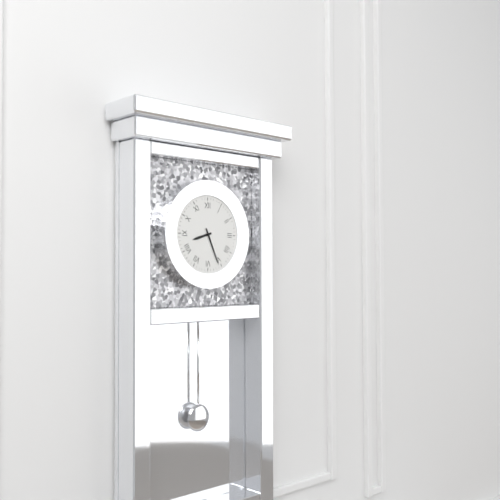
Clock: 8.26
